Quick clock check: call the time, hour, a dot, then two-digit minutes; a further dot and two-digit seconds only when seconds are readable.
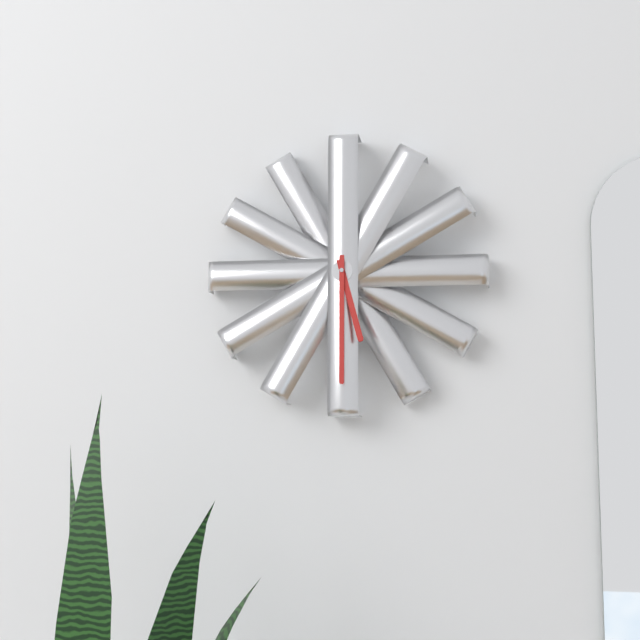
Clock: 5.30
